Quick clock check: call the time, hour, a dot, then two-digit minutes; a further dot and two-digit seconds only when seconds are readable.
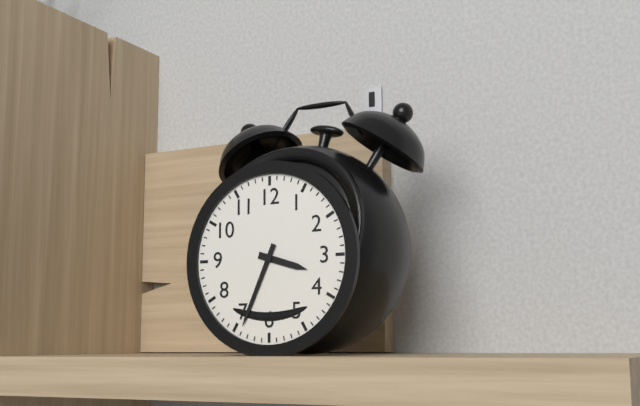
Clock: 3.34
